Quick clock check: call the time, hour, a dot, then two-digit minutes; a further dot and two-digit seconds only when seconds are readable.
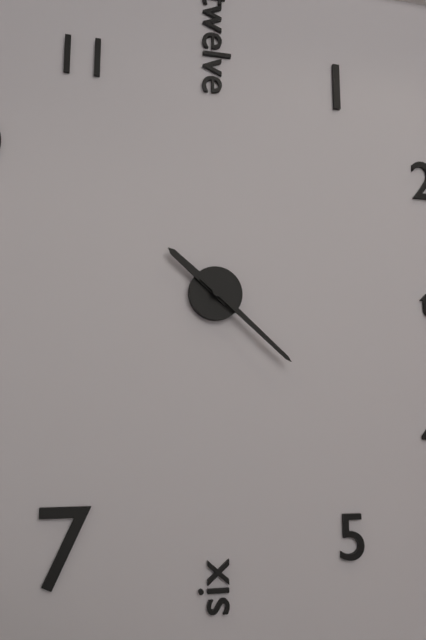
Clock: 10.22
